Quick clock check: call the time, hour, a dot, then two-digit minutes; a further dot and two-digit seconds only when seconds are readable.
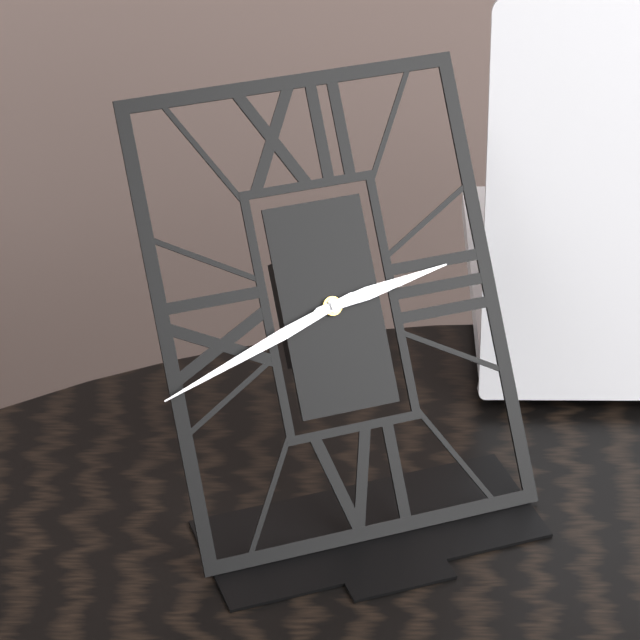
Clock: 2.42.14
